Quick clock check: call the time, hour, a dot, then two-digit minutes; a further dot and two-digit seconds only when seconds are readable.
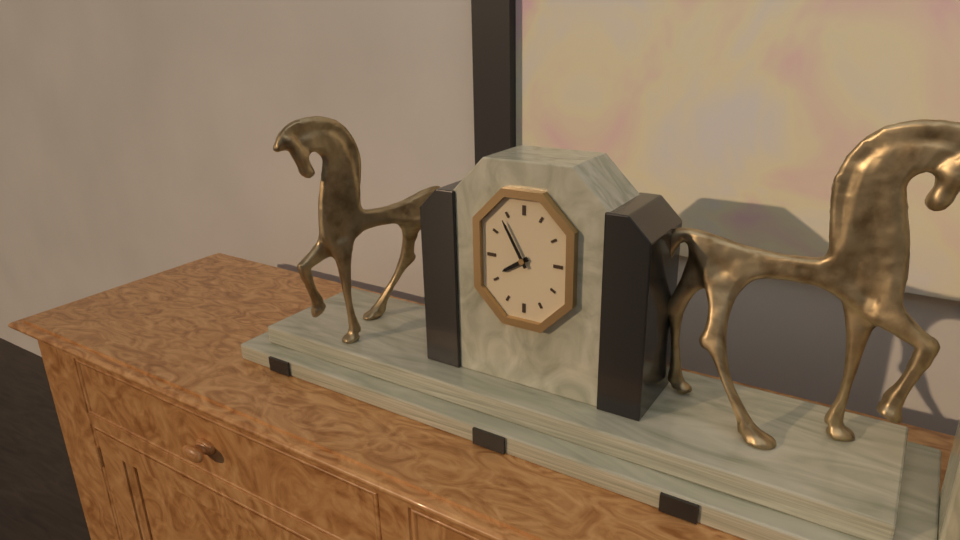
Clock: 7.55
